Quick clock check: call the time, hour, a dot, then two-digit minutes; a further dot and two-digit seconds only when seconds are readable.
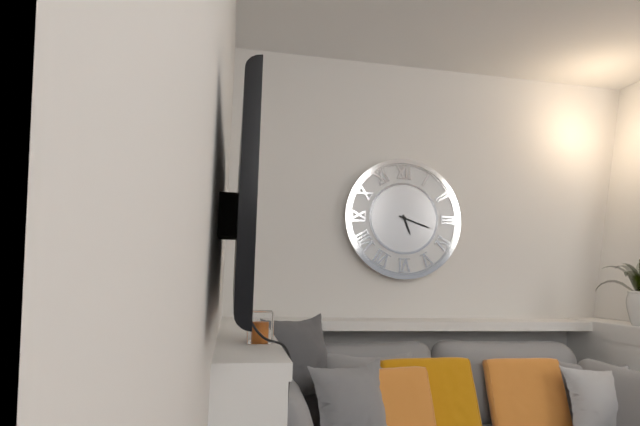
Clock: 5.18
